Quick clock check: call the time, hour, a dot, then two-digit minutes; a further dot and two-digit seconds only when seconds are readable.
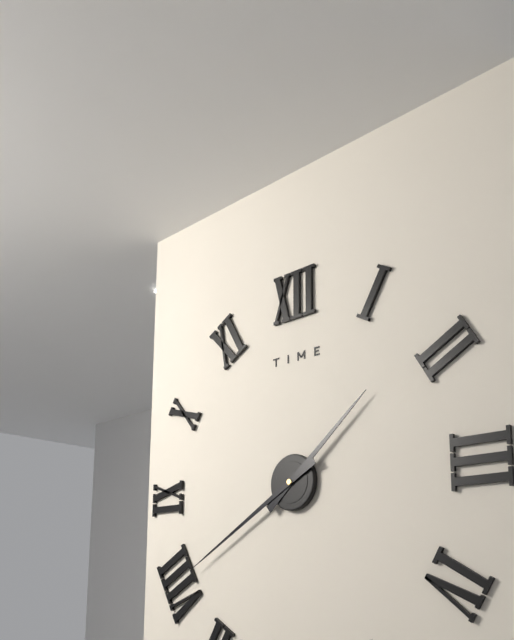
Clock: 1.40
